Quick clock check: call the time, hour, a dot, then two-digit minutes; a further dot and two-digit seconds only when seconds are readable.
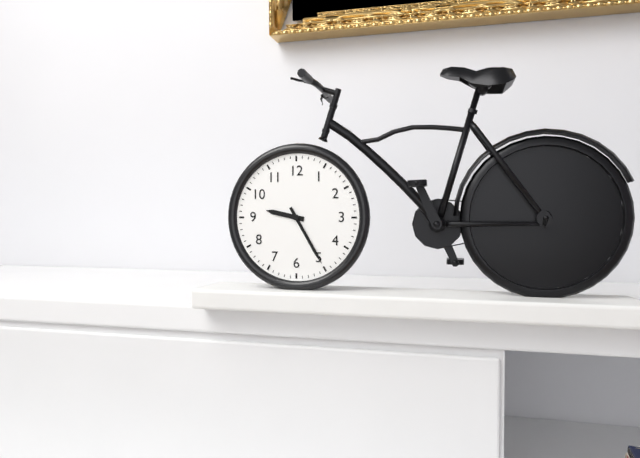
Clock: 9.25
